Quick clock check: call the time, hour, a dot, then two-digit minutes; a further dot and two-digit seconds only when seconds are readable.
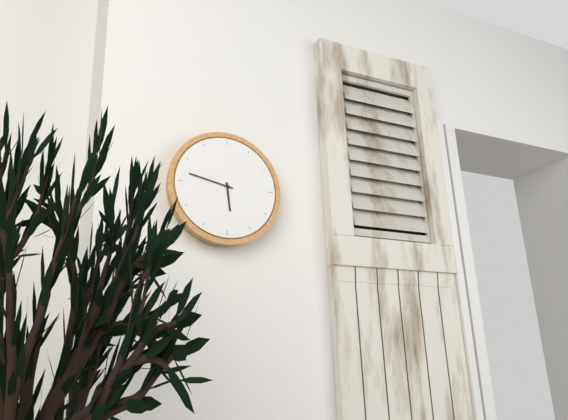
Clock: 5.47
